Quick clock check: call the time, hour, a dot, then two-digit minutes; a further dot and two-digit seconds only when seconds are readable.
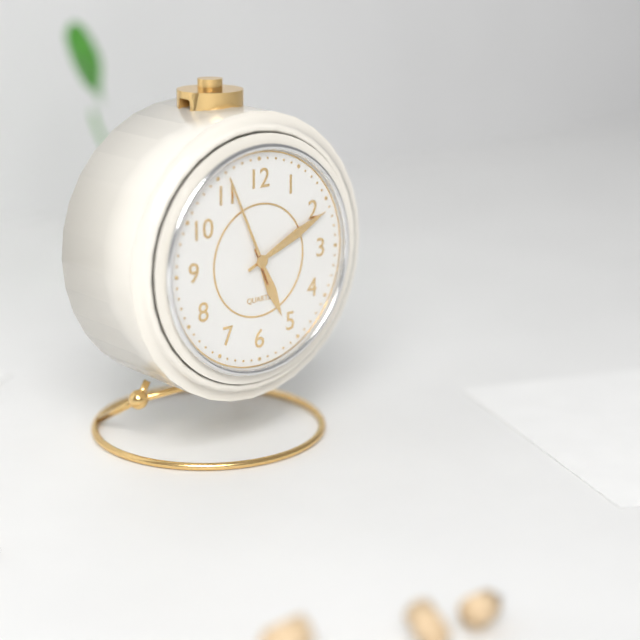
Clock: 5.11.56
